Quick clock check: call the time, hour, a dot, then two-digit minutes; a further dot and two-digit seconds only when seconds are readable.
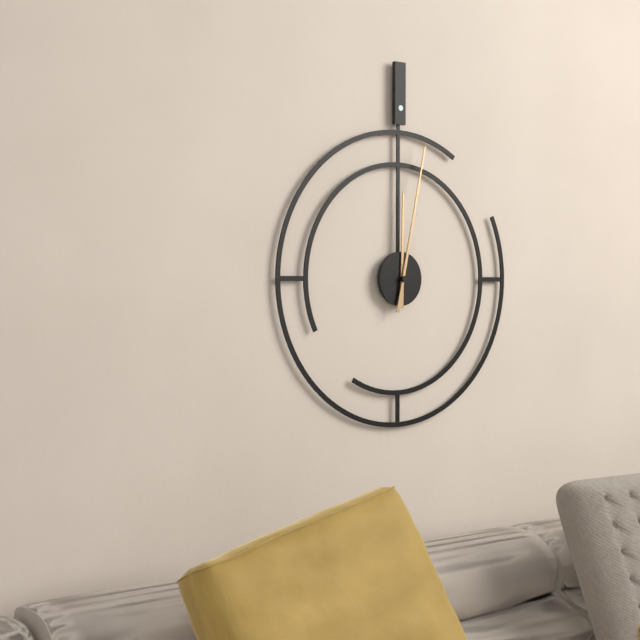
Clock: 12.02
